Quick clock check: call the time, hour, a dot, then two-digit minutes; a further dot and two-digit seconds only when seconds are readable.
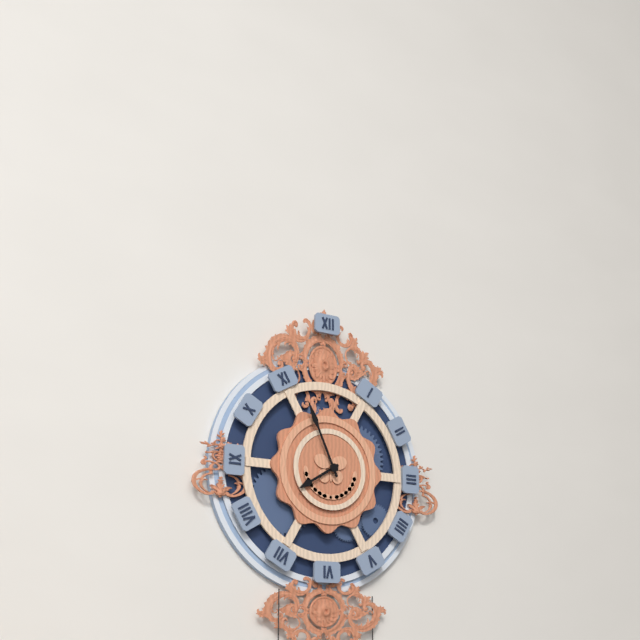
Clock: 7.56
